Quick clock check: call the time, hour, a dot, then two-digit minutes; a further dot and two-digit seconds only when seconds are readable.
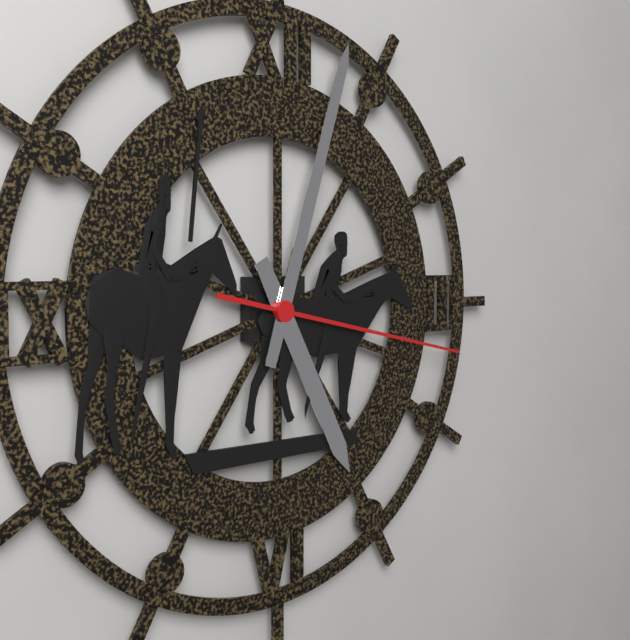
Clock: 5.03.17
